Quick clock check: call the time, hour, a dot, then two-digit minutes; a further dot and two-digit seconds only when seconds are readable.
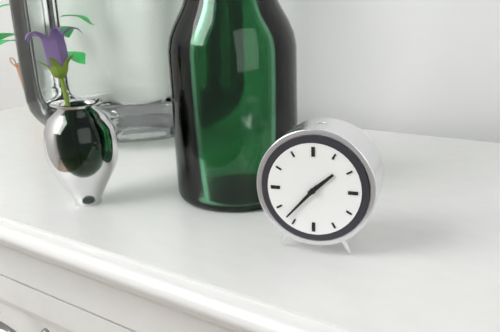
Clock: 1.37
